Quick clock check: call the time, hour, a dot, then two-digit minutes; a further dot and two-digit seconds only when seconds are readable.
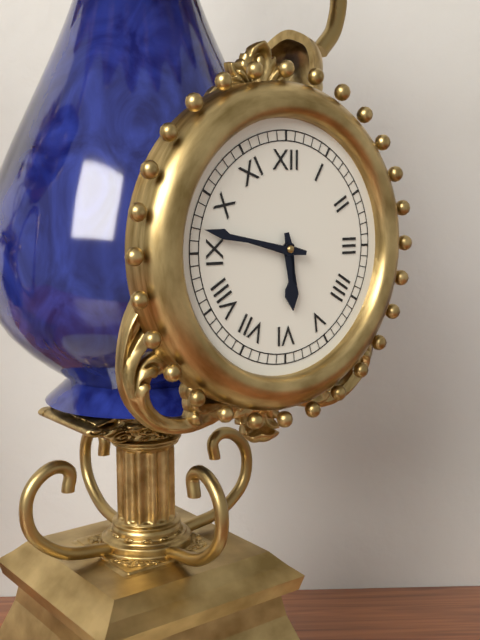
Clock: 5.47
